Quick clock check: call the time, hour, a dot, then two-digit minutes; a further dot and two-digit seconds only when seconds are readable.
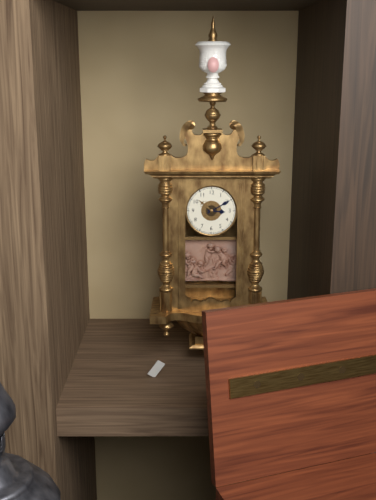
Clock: 3.10
